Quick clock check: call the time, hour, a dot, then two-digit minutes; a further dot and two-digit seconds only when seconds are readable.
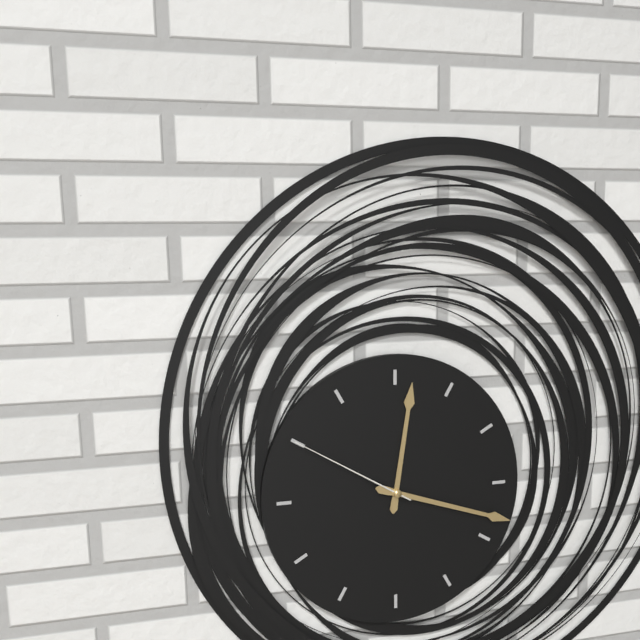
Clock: 12.18.50
